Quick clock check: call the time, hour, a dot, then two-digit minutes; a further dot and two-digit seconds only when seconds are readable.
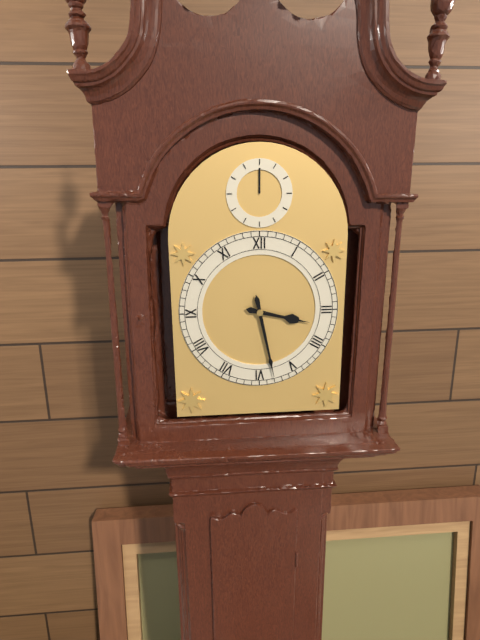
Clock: 3.28
